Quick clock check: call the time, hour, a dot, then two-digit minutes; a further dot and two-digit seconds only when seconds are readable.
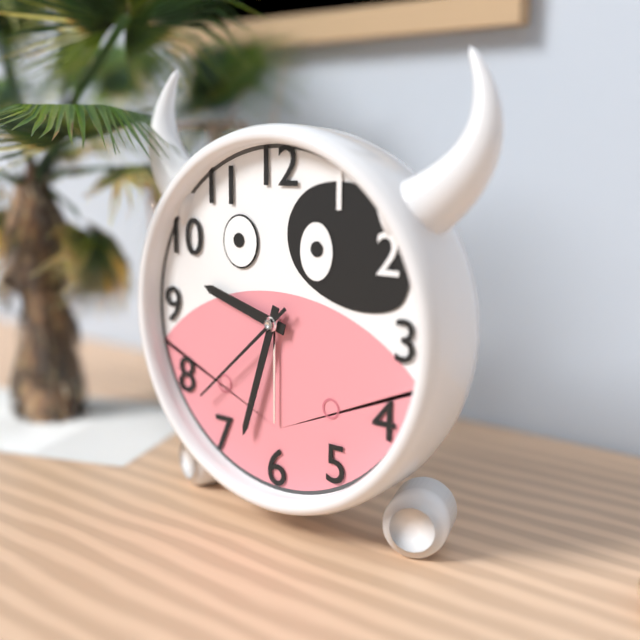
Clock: 9.33.38
